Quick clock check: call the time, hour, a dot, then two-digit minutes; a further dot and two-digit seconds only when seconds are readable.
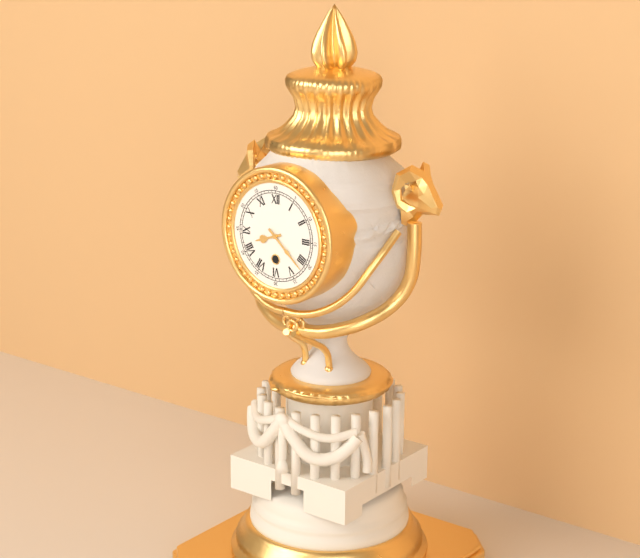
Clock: 8.22
